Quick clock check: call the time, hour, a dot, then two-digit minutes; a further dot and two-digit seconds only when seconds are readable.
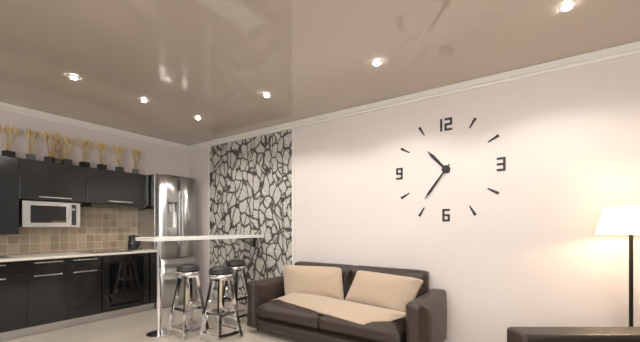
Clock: 10.36
